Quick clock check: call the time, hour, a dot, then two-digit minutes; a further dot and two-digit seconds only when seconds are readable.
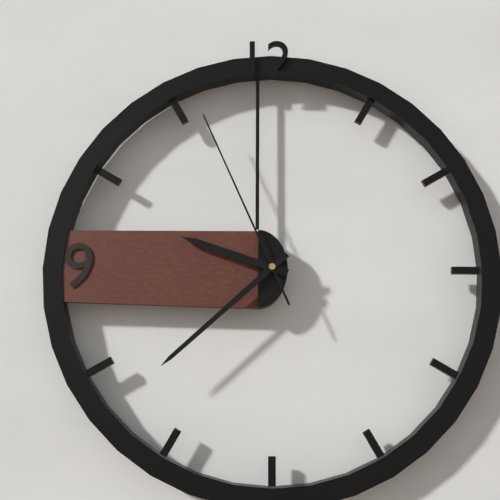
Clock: 9.38.56
